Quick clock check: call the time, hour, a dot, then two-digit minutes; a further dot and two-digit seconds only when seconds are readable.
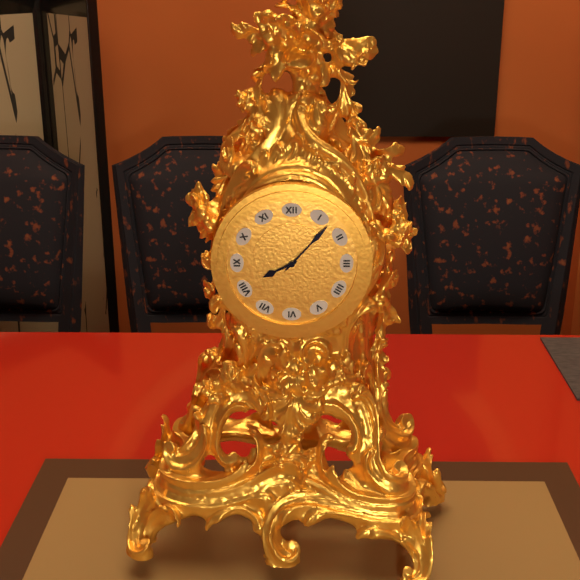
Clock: 8.07
